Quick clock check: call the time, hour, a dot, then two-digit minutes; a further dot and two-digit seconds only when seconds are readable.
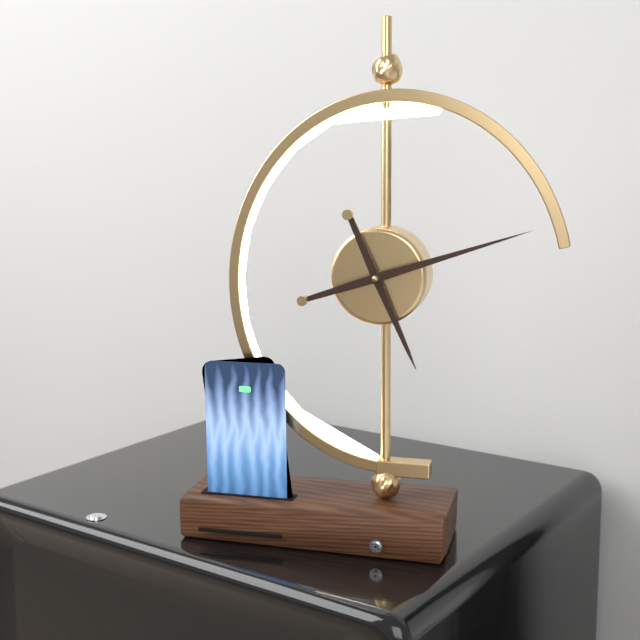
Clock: 5.12
